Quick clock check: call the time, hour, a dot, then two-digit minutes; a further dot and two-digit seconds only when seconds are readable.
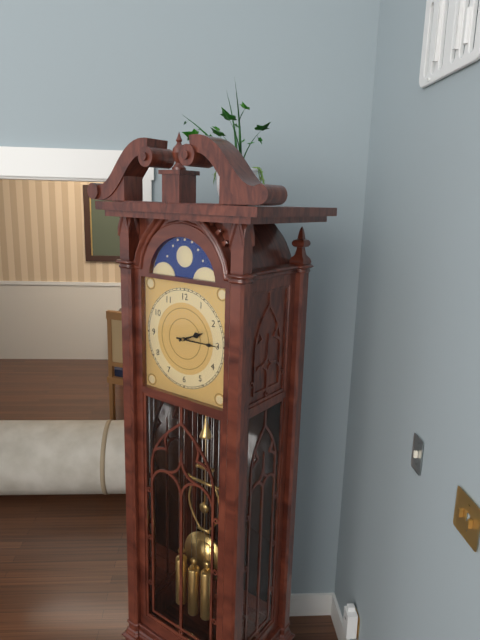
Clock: 2.15
